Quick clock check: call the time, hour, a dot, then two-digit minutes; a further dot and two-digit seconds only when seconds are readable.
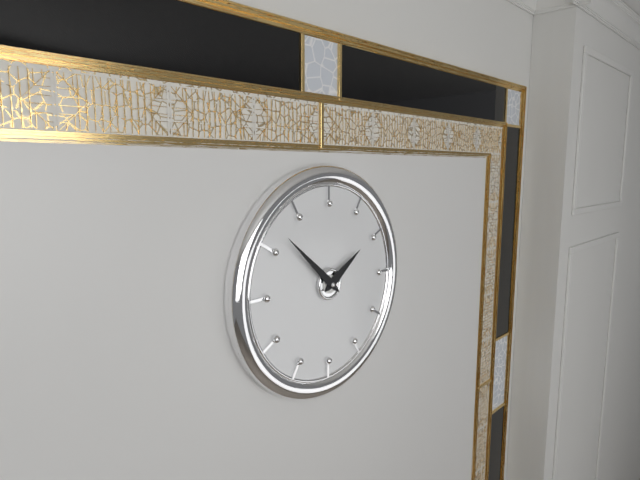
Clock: 1.52
